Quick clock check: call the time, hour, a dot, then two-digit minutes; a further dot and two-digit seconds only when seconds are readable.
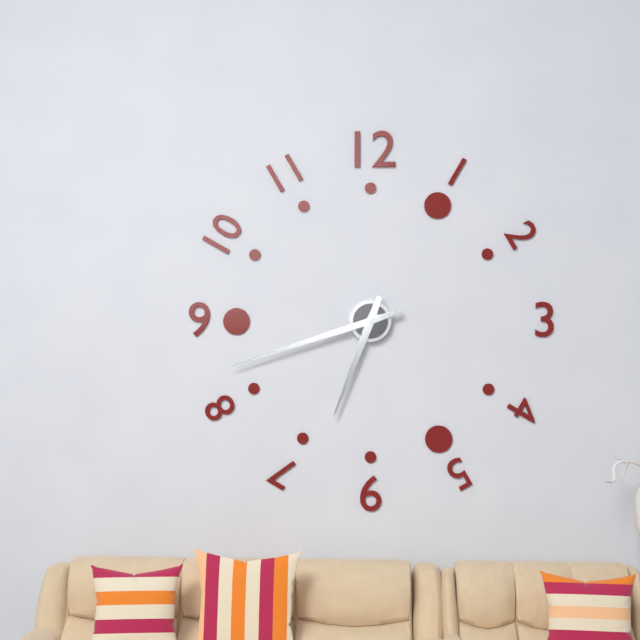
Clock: 6.42
